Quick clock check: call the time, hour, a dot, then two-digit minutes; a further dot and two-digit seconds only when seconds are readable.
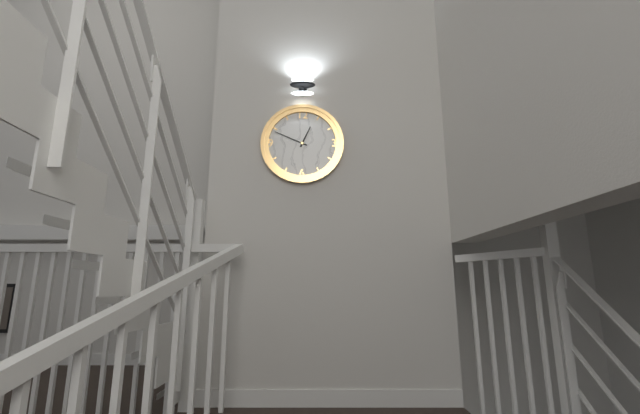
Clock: 12.49
